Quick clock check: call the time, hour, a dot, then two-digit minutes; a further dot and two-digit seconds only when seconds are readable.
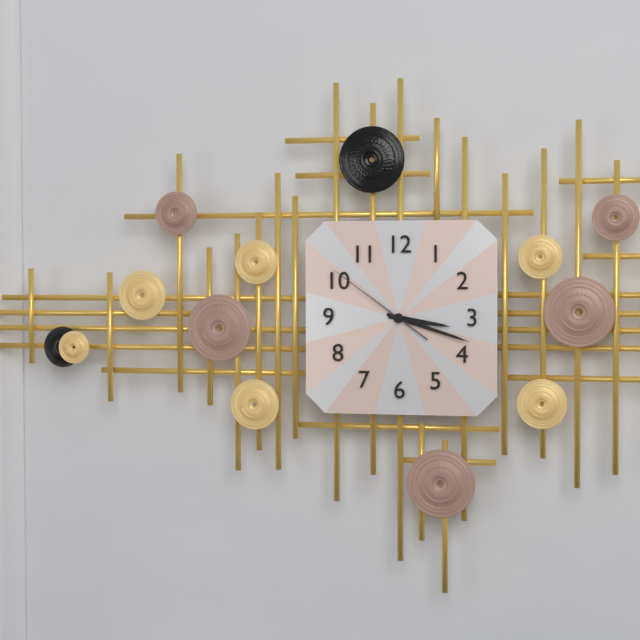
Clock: 3.18.51
